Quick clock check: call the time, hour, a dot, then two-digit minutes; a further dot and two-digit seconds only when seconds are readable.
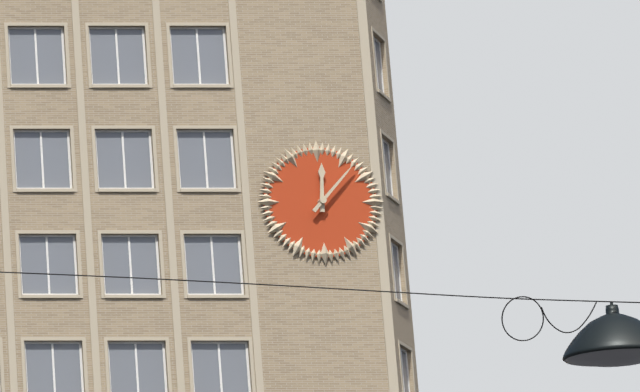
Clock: 12.07
